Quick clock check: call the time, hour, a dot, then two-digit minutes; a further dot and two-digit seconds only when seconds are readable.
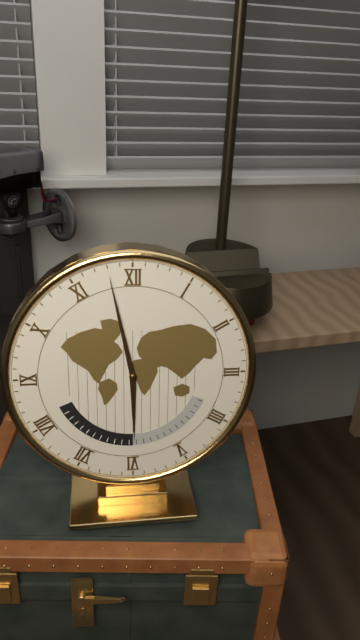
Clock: 5.58
